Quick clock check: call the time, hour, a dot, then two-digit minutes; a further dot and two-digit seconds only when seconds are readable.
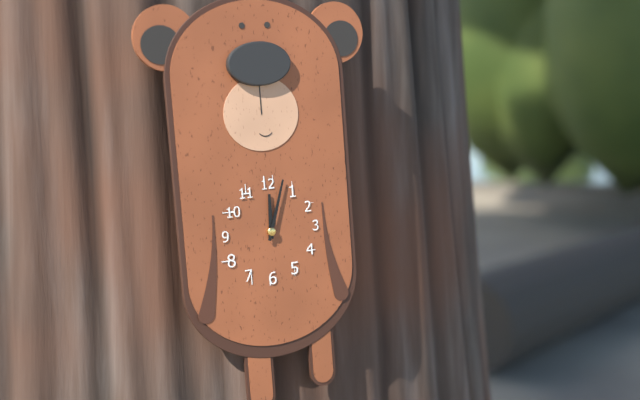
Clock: 12.03
